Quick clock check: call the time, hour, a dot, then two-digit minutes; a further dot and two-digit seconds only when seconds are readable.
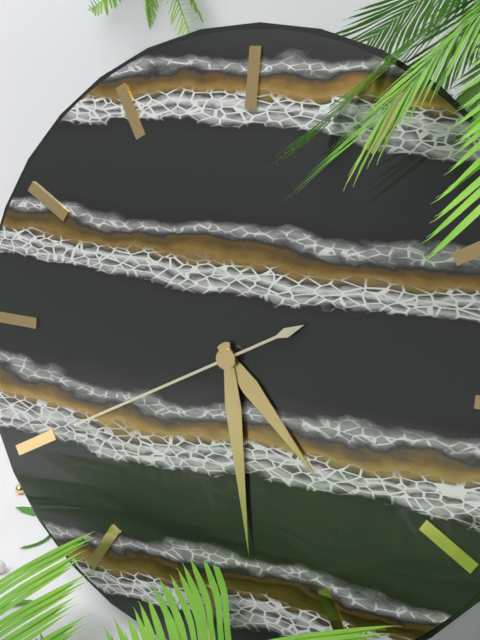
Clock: 4.28.40
